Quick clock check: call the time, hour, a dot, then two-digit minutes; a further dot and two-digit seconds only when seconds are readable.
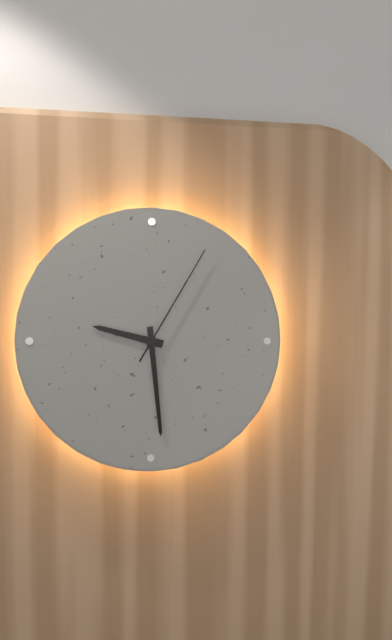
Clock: 9.29.05
